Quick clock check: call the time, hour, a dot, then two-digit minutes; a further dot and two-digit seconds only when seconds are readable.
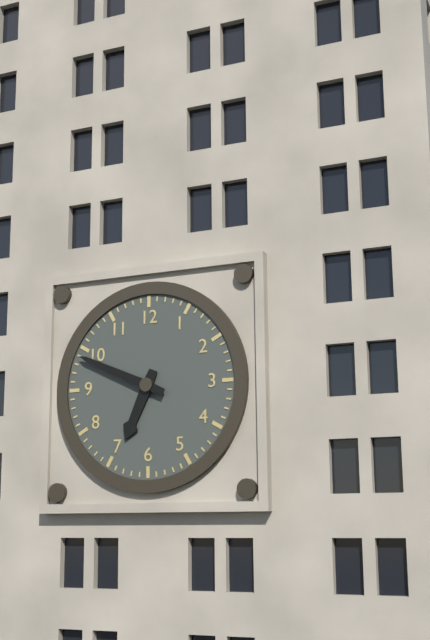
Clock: 6.49
